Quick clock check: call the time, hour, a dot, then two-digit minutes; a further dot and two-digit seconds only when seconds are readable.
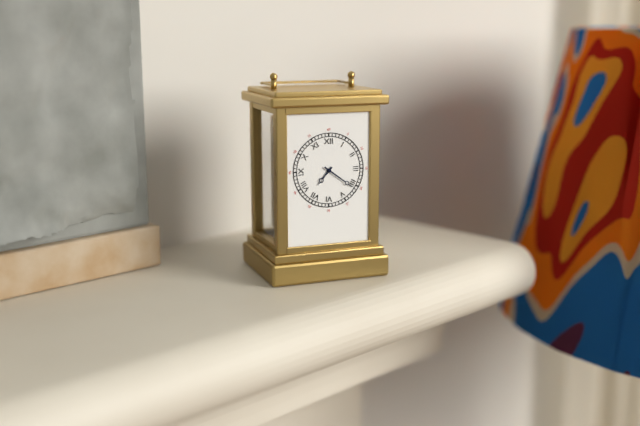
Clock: 7.21
